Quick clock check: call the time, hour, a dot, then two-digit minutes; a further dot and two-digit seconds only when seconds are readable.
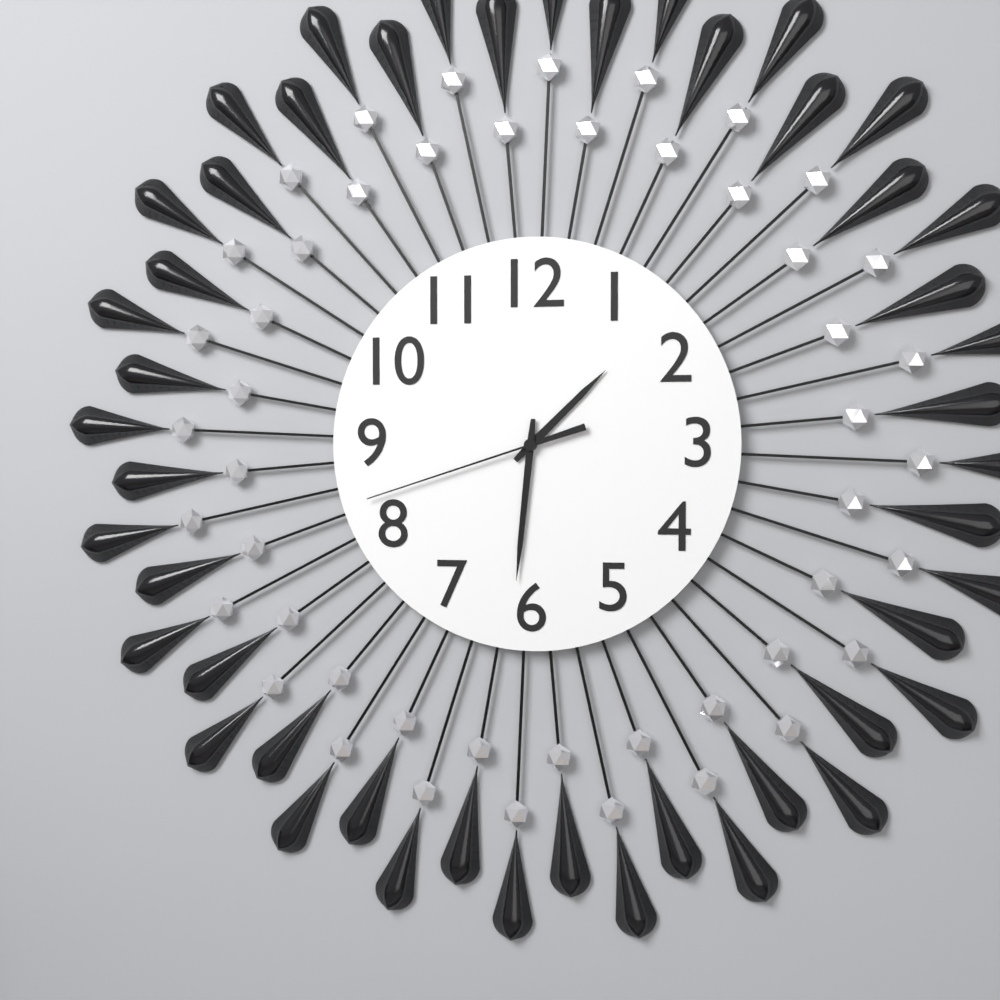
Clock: 1.31.42
